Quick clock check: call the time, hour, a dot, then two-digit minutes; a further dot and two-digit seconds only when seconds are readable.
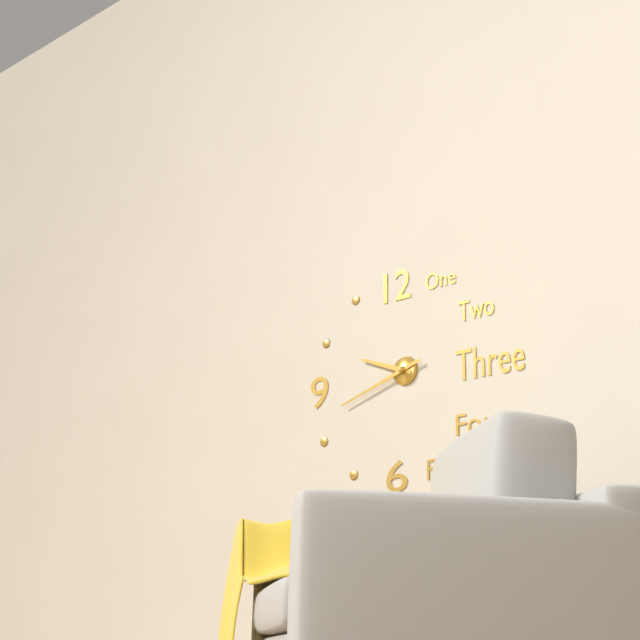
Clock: 9.42
